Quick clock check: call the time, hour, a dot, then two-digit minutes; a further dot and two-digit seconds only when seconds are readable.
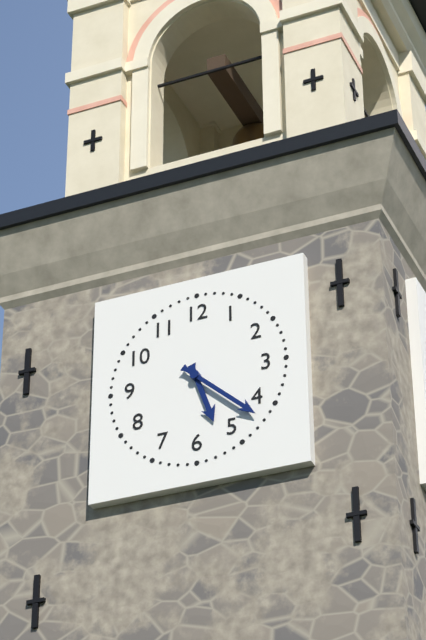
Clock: 5.22
